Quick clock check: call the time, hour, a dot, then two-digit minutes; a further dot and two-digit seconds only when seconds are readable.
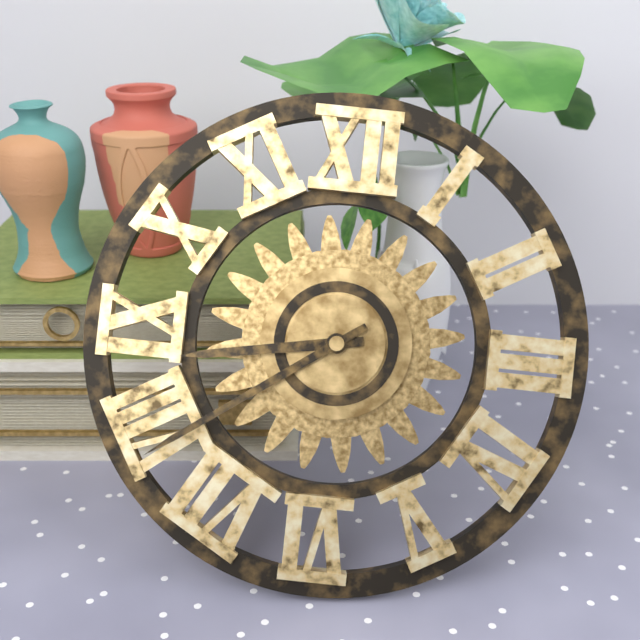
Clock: 8.39
